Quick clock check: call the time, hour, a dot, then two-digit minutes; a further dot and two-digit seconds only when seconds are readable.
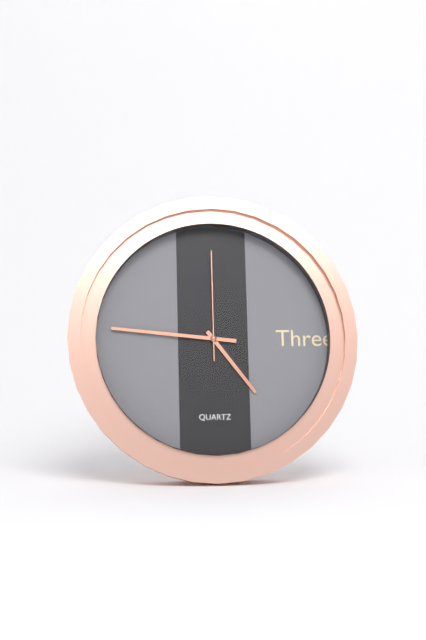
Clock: 4.46.00
